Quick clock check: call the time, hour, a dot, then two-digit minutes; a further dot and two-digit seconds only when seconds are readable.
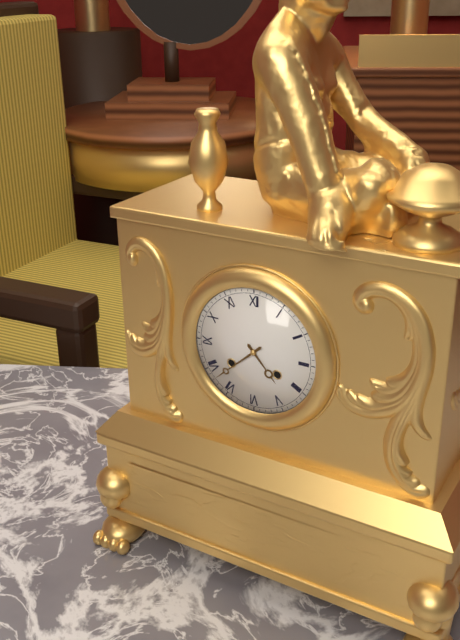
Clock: 4.38
